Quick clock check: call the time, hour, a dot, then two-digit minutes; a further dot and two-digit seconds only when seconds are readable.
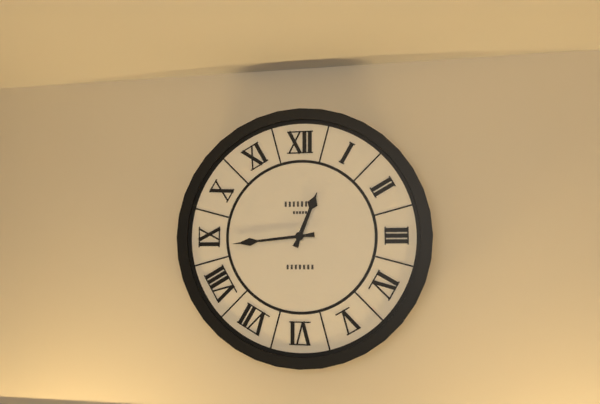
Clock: 12.44
